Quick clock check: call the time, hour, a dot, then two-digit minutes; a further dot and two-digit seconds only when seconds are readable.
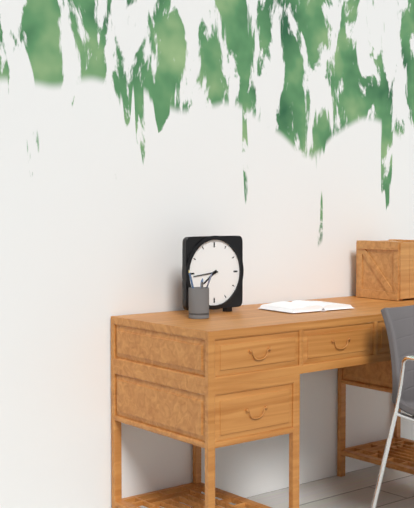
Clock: 7.44
